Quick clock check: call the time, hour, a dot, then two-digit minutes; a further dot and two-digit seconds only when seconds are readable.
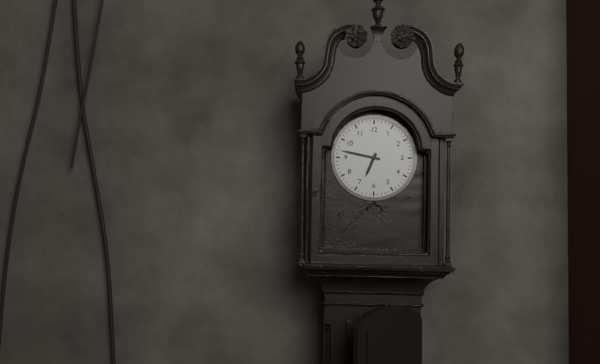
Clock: 6.47
